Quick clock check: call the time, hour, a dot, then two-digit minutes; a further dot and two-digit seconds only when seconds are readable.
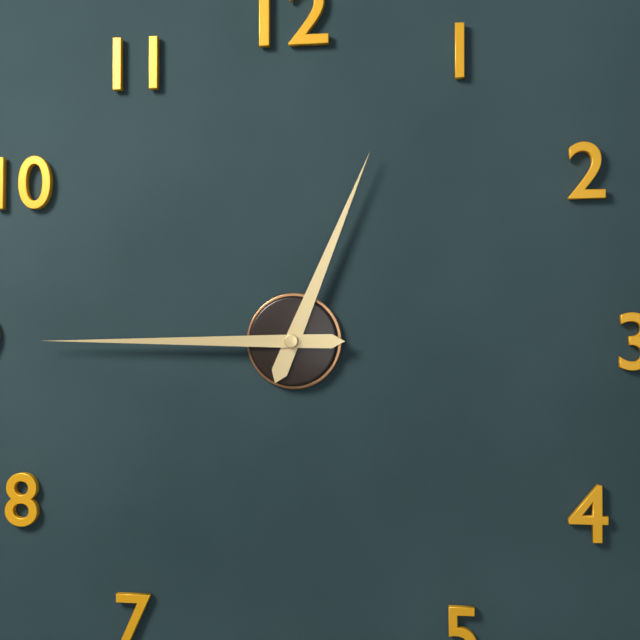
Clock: 12.45
